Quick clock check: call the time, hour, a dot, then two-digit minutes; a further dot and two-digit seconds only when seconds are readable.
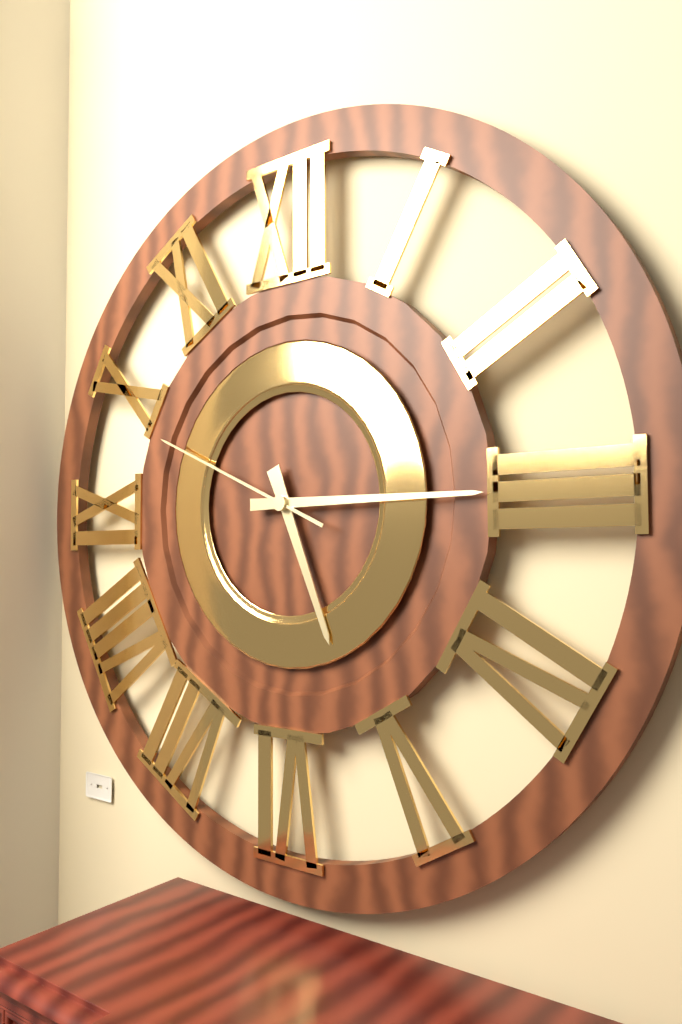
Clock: 5.15.49
